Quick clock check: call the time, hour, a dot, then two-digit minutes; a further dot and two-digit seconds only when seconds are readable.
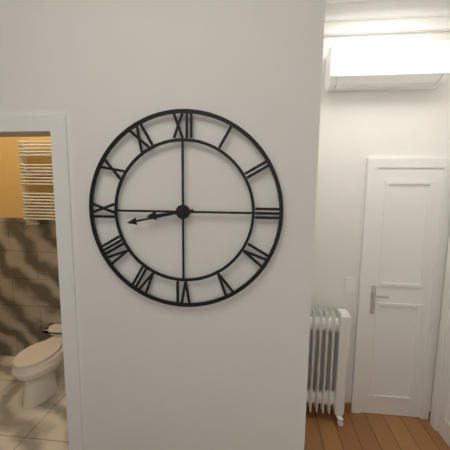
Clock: 8.43
